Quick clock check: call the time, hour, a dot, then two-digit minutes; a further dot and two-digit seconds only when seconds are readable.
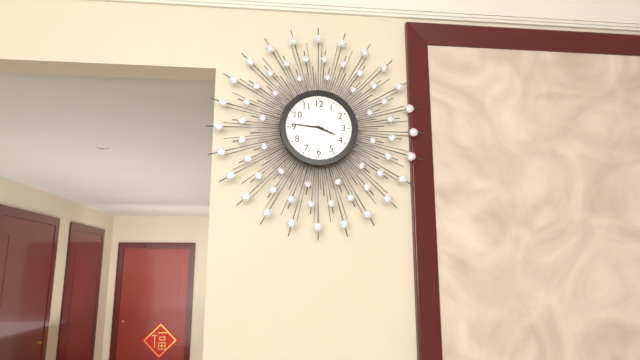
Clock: 3.46
